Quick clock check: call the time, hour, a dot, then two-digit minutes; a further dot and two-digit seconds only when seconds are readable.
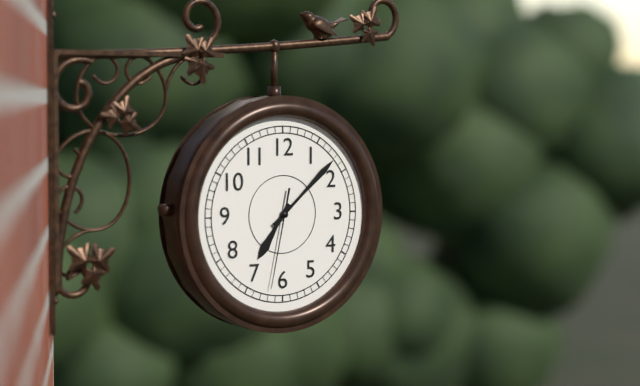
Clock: 7.08.32
